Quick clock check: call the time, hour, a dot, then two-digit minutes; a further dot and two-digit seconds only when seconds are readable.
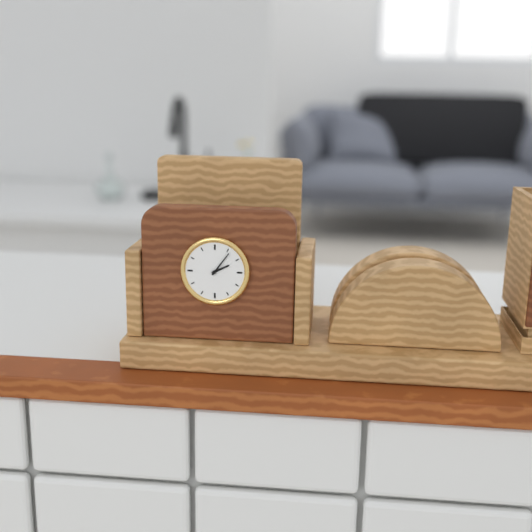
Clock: 2.06
